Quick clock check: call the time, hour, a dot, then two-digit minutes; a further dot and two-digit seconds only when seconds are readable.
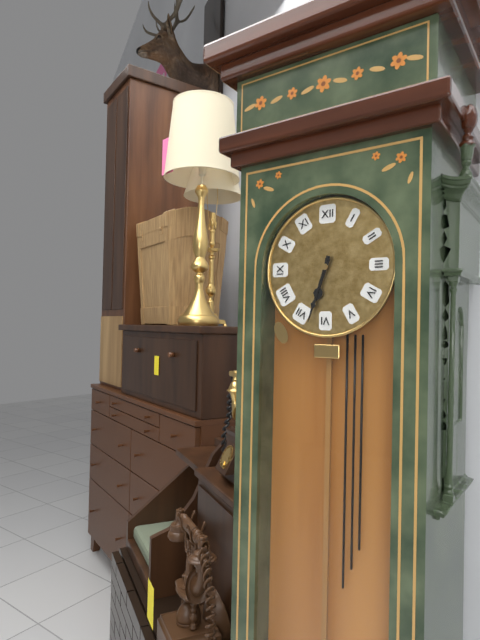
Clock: 6.33
